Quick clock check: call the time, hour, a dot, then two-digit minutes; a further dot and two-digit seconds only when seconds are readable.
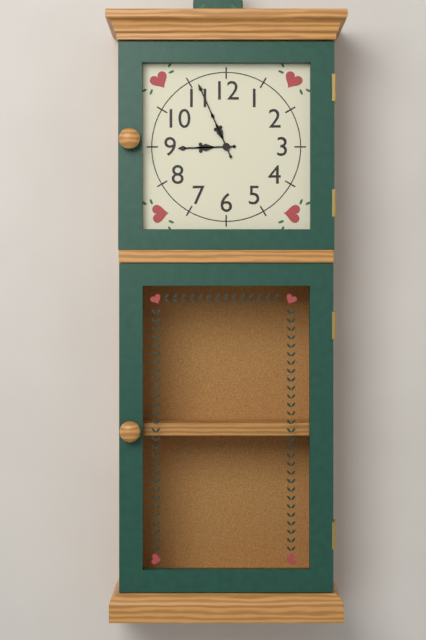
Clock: 8.56
